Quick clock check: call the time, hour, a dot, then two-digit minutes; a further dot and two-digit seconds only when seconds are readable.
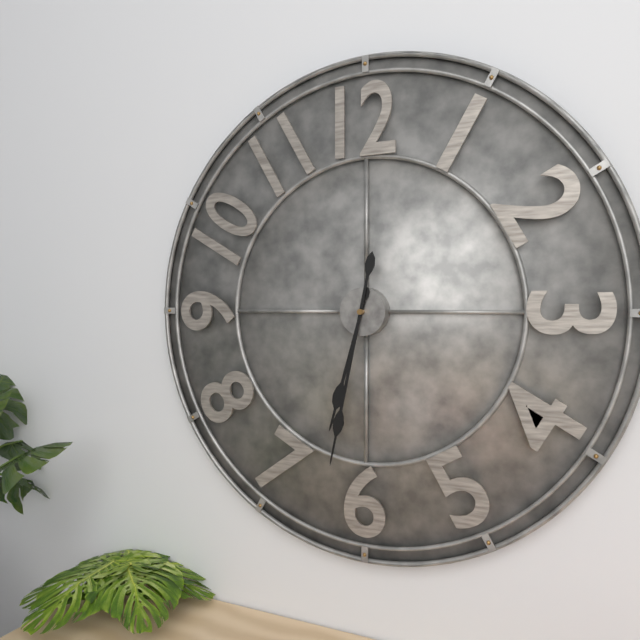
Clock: 6.32
